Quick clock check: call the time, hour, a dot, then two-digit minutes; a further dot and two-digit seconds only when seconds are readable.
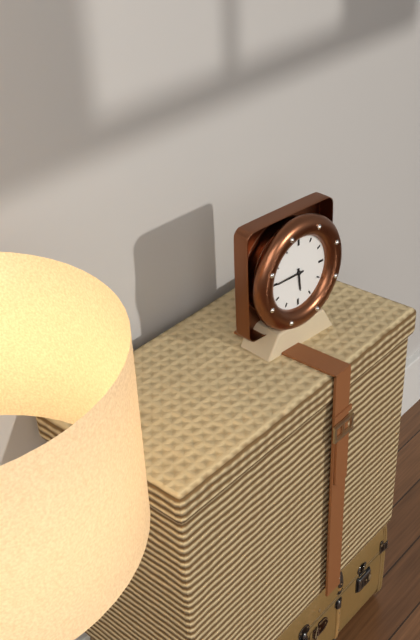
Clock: 5.45
